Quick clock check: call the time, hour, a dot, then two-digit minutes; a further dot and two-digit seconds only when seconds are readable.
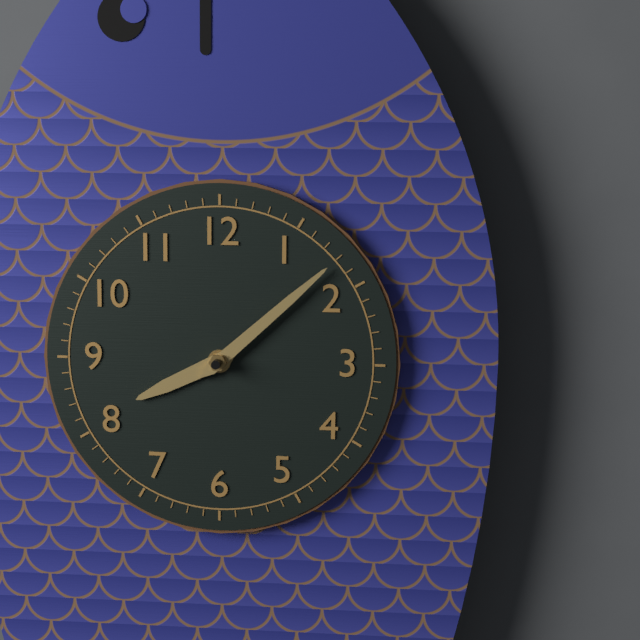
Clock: 8.08
